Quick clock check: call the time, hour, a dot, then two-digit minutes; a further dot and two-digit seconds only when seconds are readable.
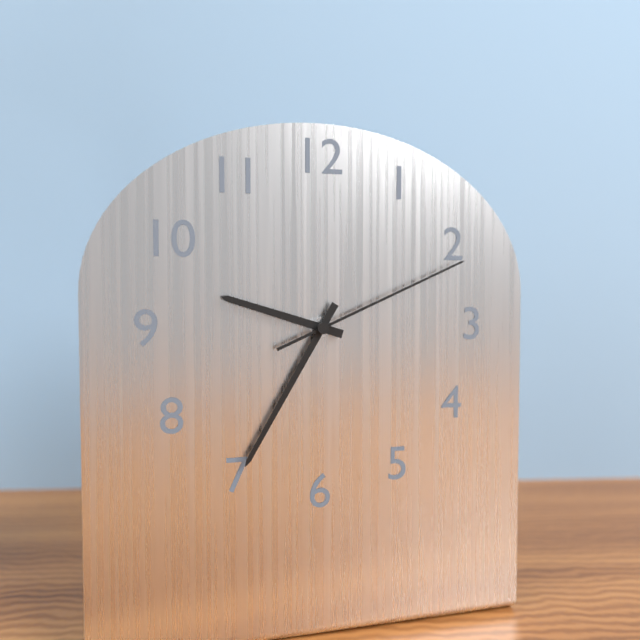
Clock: 9.35.11
